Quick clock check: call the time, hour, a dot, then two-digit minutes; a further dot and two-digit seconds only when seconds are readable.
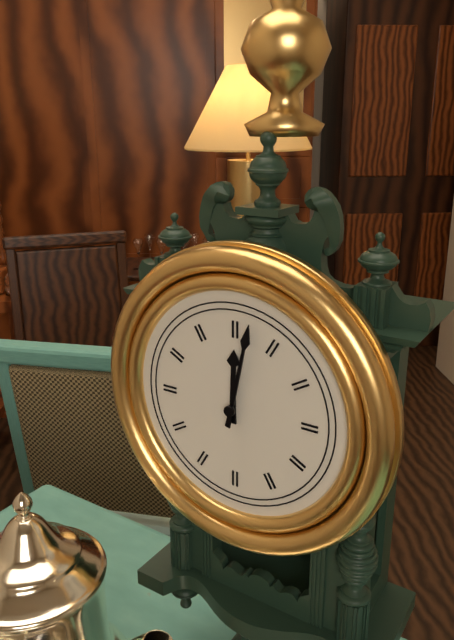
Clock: 12.02
